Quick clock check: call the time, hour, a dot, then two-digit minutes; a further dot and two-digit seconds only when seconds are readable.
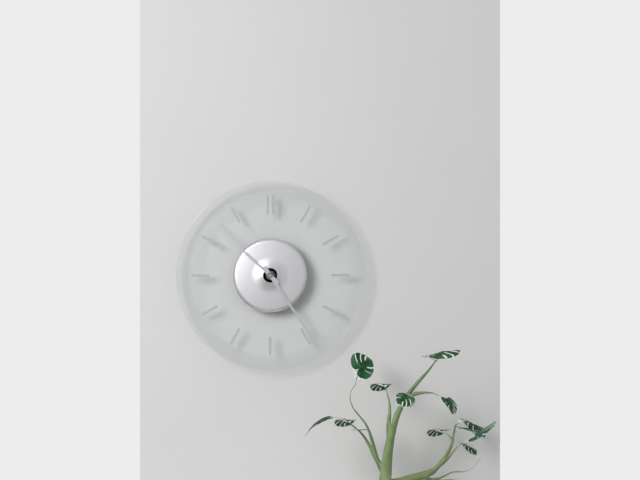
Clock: 4.52
